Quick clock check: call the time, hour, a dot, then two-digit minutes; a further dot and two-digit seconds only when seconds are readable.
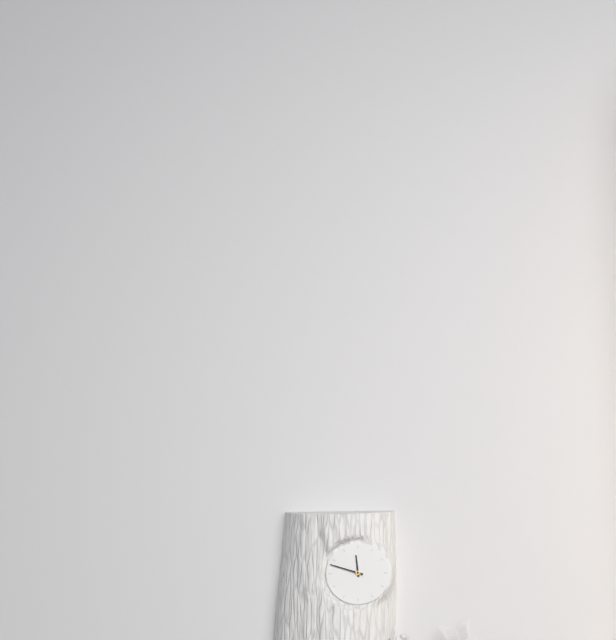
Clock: 11.48
